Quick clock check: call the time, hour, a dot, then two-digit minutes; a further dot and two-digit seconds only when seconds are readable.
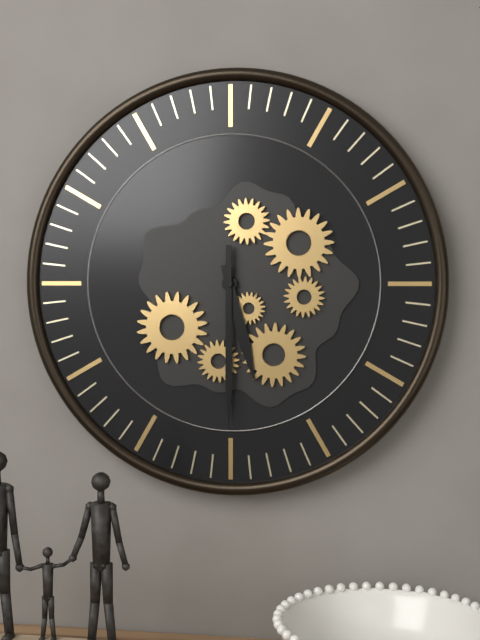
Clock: 5.30
